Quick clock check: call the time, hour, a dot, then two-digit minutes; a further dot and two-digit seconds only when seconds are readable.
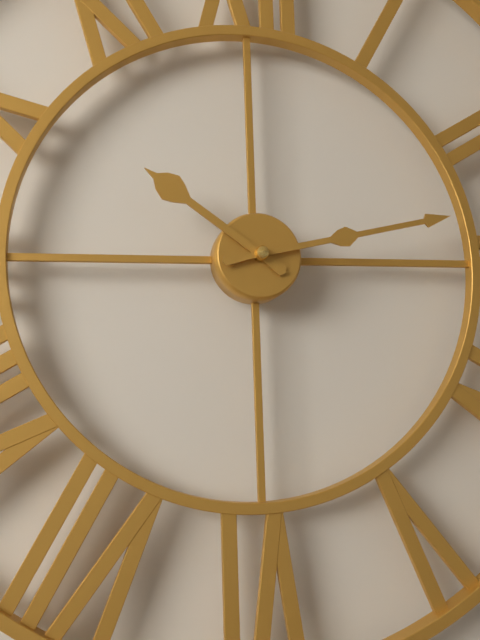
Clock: 10.13
